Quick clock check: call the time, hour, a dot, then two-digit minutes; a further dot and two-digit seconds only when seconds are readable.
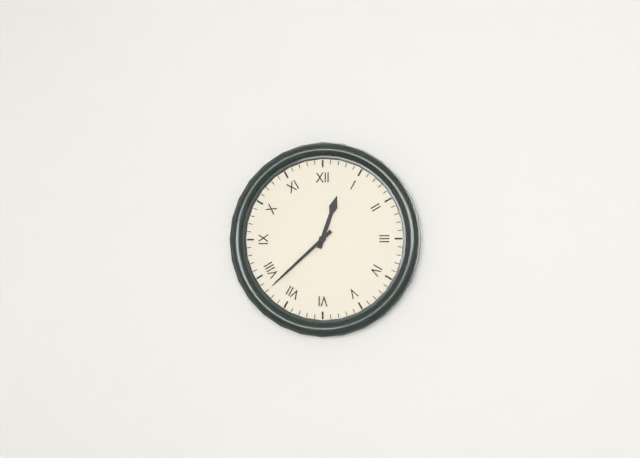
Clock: 12.38
